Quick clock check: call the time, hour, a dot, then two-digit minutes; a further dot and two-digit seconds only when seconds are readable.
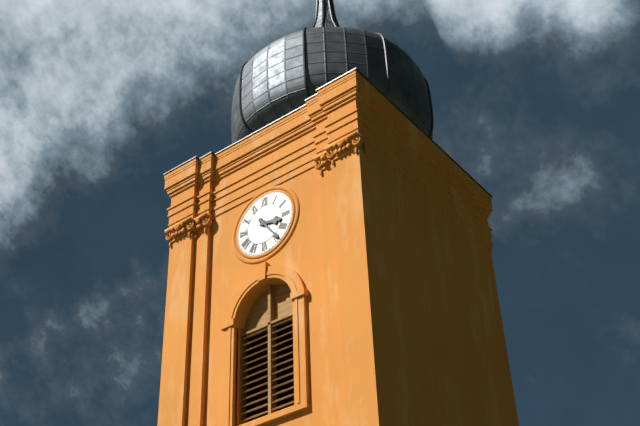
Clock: 3.24
